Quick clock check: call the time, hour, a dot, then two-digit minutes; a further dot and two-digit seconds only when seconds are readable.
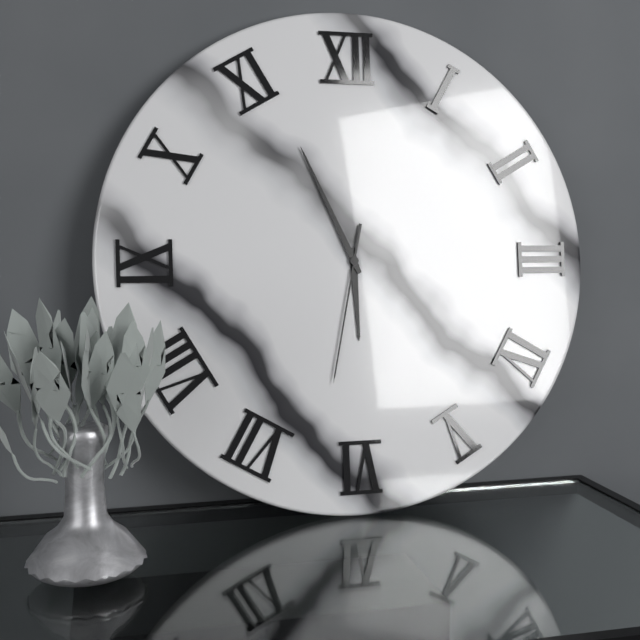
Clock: 5.56.32
